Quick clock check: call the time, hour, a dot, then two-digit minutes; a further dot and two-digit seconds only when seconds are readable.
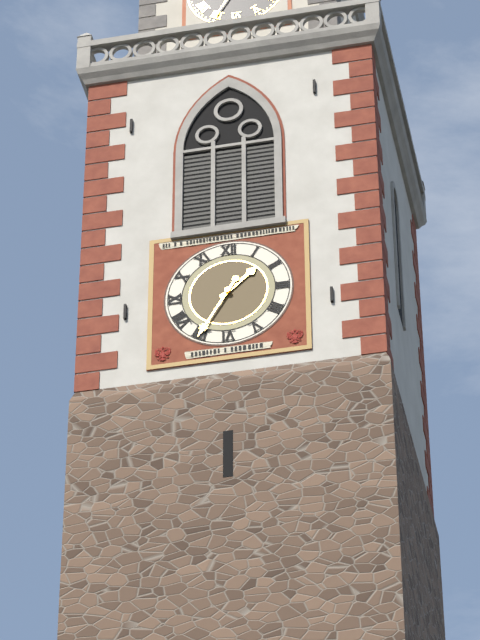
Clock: 1.35
